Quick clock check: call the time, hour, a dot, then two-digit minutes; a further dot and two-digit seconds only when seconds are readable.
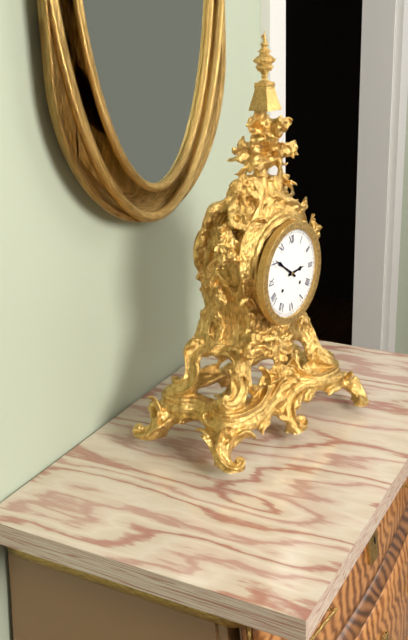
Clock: 2.51
